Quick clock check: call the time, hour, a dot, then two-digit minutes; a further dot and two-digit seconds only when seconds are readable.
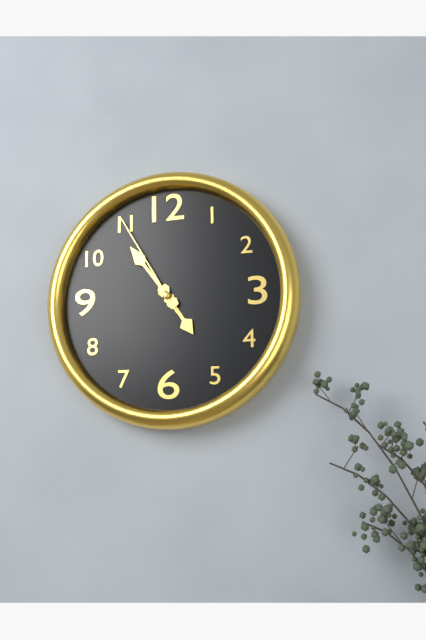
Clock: 4.54.55
